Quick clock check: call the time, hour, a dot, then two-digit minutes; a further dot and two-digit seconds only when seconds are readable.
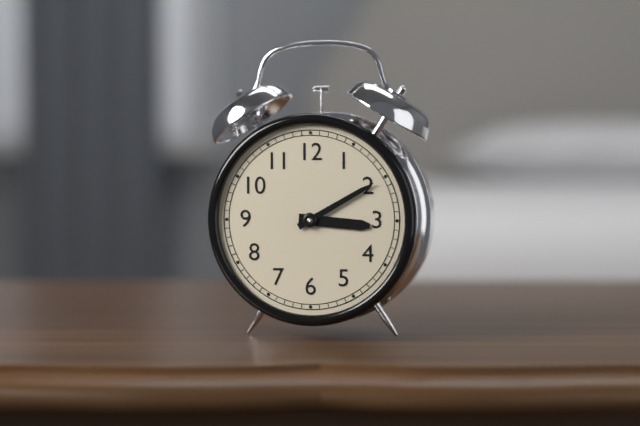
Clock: 3.10
